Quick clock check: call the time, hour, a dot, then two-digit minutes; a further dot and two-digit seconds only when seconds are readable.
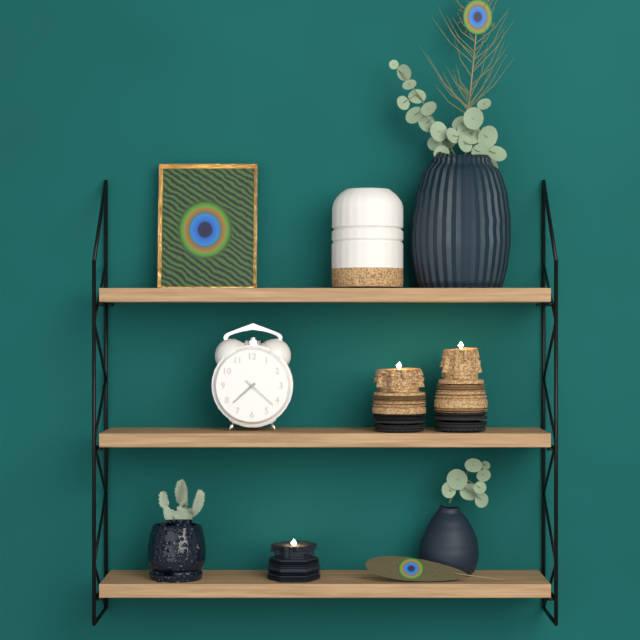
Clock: 7.38
